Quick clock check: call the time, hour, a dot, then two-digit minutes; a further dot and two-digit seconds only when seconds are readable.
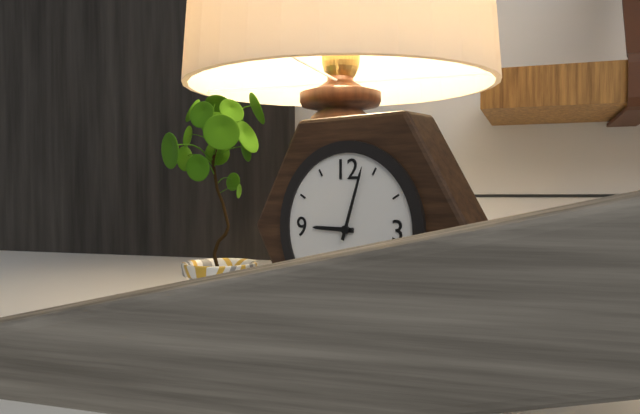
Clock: 9.03
